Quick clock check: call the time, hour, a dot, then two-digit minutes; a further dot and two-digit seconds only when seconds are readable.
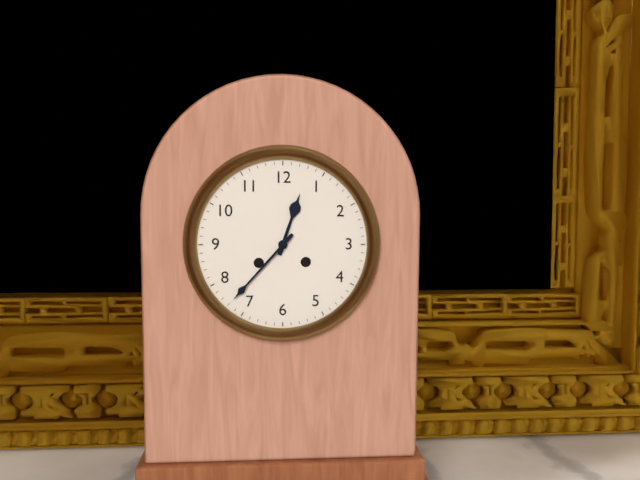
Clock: 12.37
